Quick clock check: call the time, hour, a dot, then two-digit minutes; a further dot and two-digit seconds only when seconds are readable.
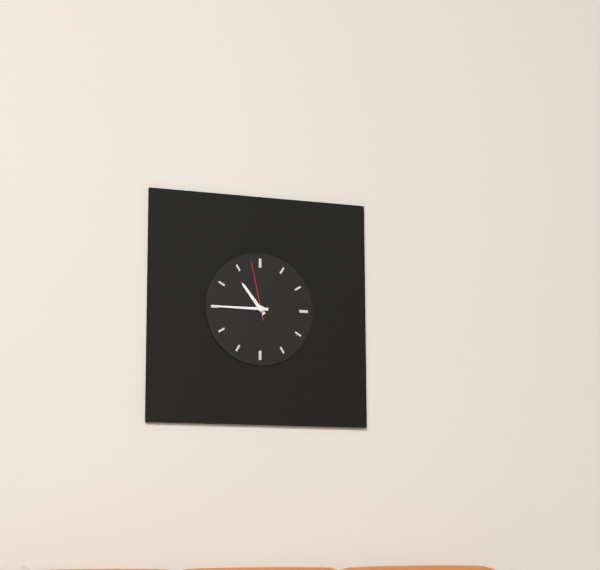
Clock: 10.45.58
